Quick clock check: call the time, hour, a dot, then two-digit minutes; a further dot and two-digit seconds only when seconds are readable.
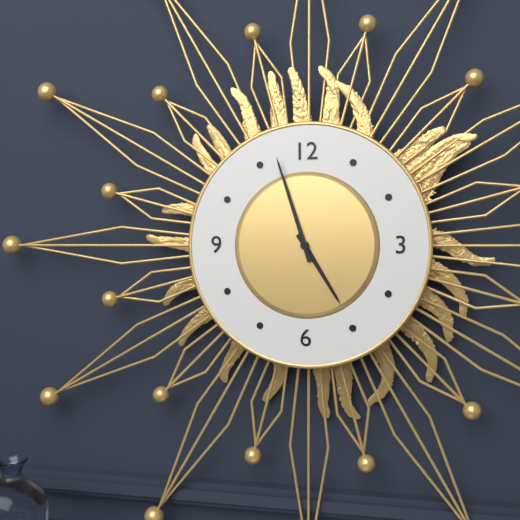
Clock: 4.57
